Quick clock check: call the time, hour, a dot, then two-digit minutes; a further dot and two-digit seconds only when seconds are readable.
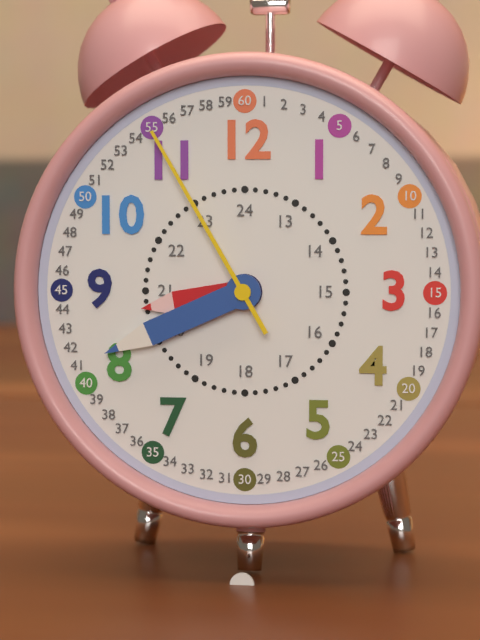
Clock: 8.41.55
